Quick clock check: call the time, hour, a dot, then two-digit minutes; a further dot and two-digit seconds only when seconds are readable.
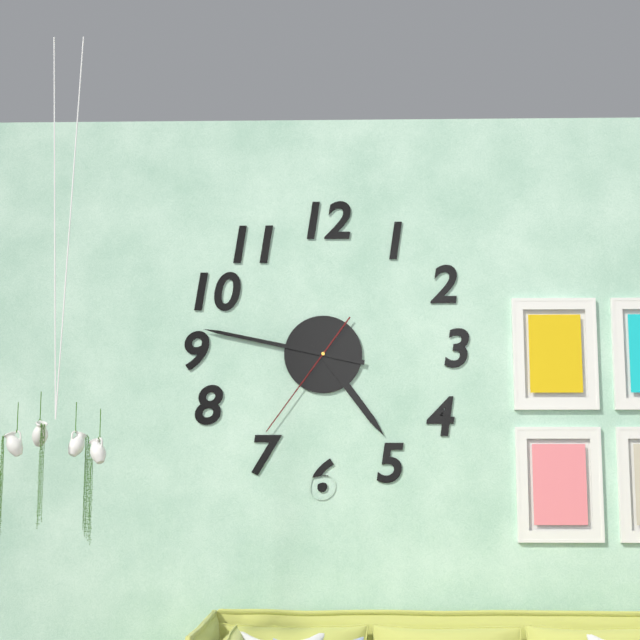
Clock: 4.47.36
